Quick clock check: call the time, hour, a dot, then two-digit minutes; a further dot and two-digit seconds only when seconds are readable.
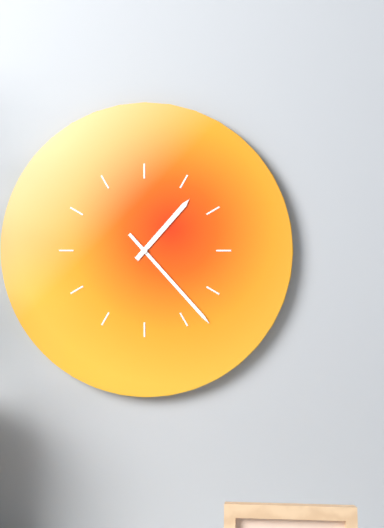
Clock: 1.23
